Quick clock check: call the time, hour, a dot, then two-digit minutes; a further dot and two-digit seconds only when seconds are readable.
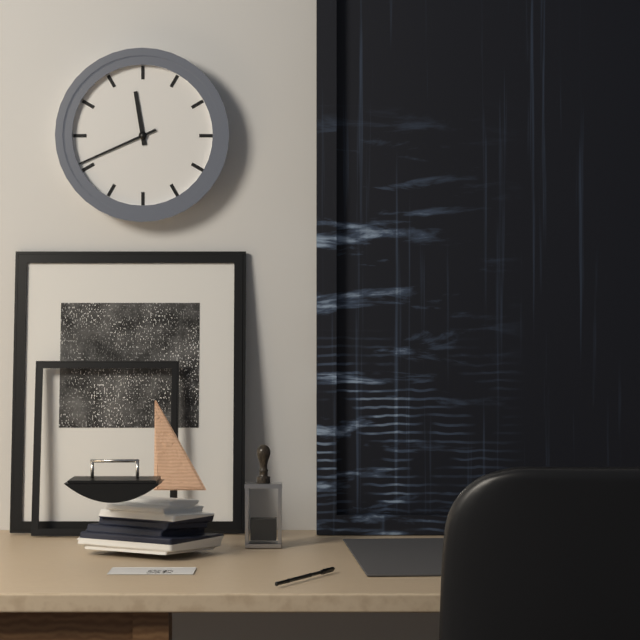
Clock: 11.41
